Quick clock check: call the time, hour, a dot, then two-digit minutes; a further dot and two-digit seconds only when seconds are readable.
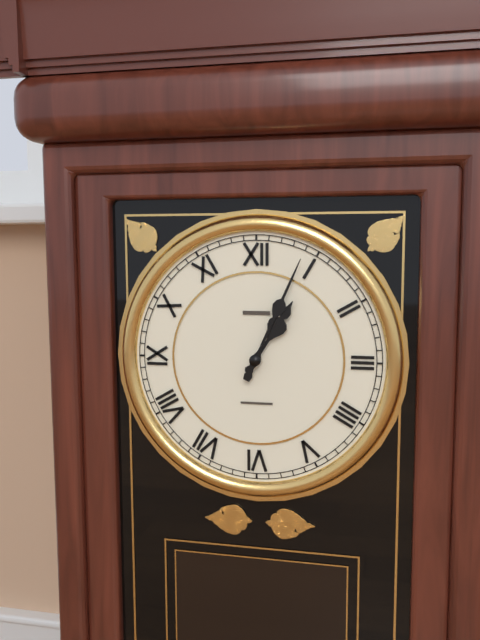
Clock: 1.04
